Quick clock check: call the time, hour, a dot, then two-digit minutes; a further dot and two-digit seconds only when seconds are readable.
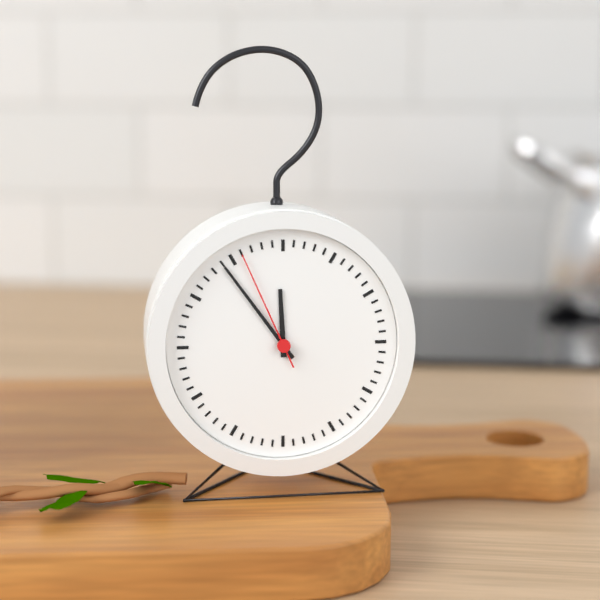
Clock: 11.54.56
